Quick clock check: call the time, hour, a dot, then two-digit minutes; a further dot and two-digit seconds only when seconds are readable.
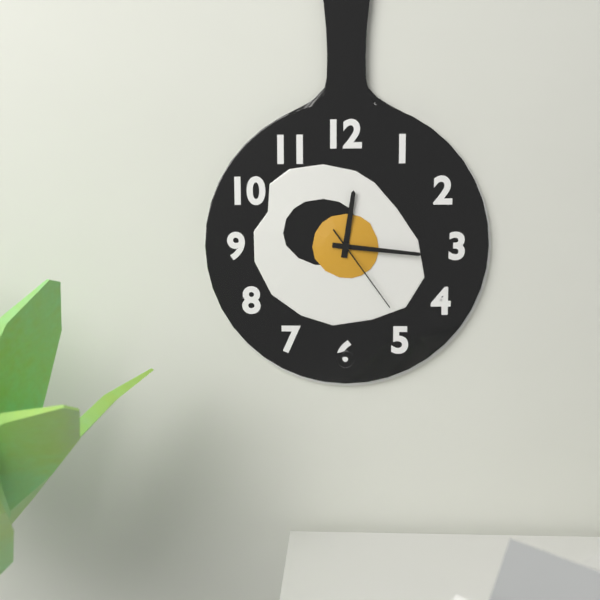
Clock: 12.16.24
